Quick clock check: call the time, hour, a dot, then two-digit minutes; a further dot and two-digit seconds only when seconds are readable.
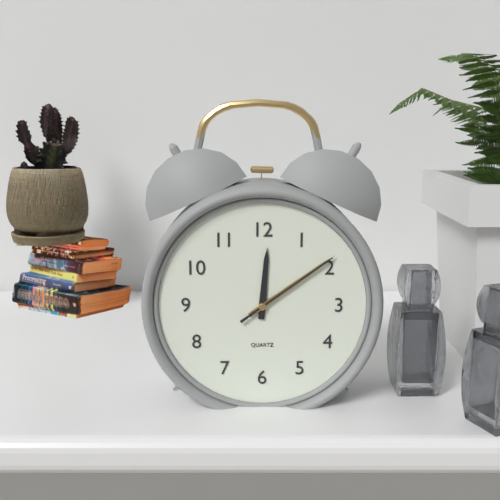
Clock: 12.09.09
